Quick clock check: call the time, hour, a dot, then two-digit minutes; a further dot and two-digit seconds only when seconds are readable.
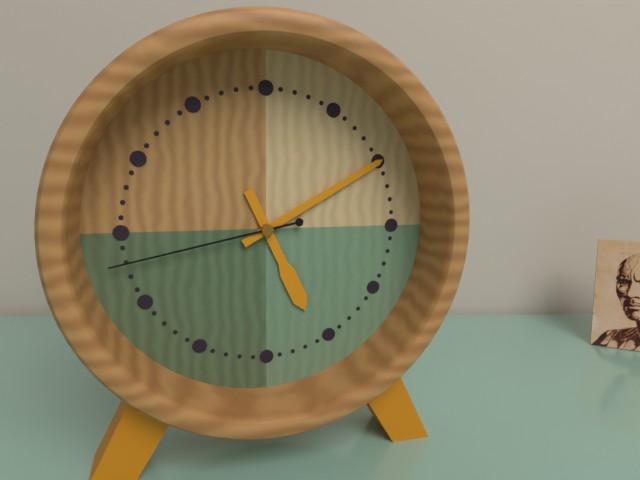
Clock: 5.10.43
